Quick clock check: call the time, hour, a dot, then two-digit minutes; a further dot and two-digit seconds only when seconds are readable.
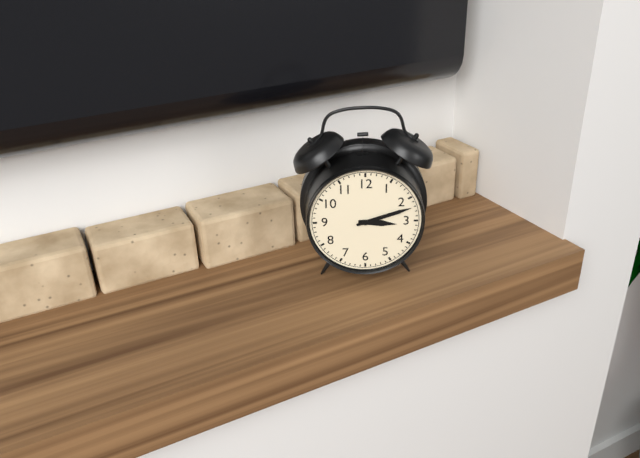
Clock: 3.12
